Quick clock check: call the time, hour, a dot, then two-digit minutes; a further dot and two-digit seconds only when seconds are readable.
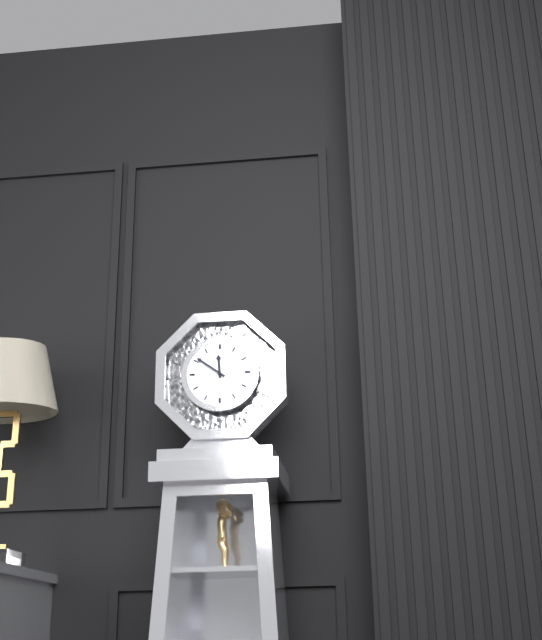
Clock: 11.51
